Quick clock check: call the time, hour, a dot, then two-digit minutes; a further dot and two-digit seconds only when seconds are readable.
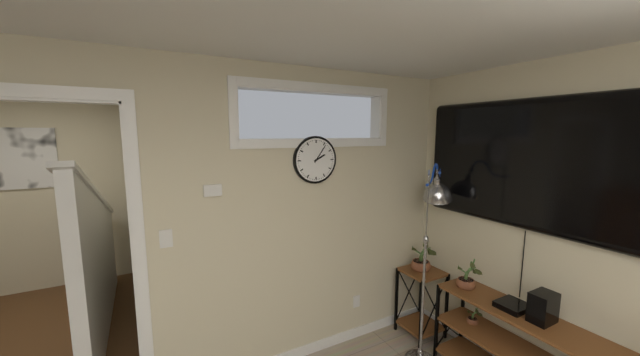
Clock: 2.06
